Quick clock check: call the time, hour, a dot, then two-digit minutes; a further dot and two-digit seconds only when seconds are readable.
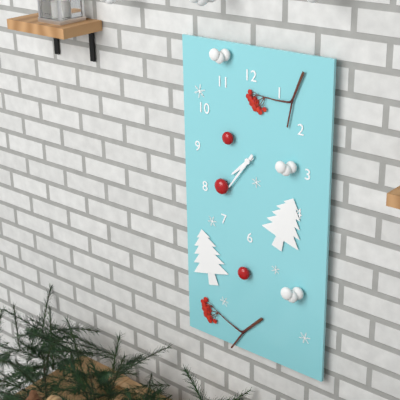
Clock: 7.36
